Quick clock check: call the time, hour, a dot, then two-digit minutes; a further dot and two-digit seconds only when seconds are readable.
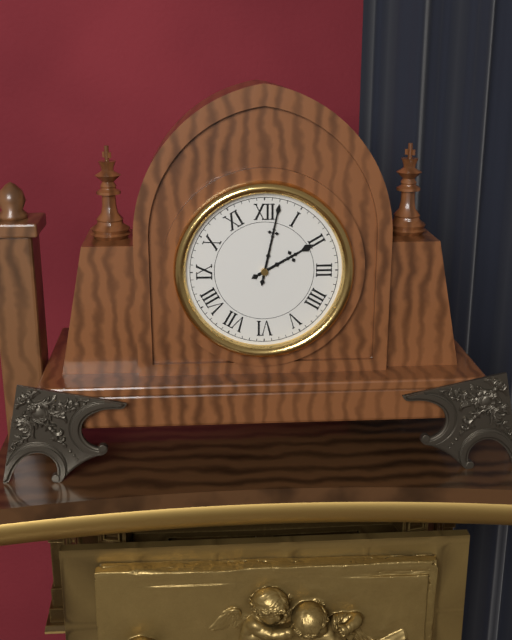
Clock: 2.02
